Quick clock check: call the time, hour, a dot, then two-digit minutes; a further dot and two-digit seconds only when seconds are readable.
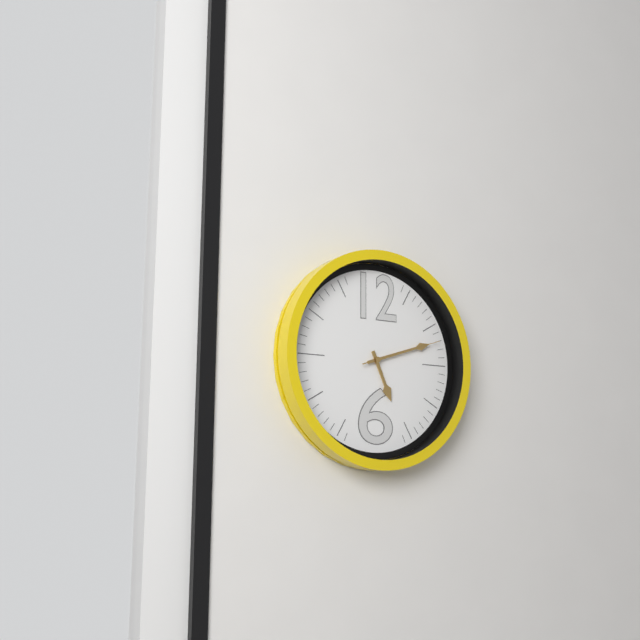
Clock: 5.12.12
